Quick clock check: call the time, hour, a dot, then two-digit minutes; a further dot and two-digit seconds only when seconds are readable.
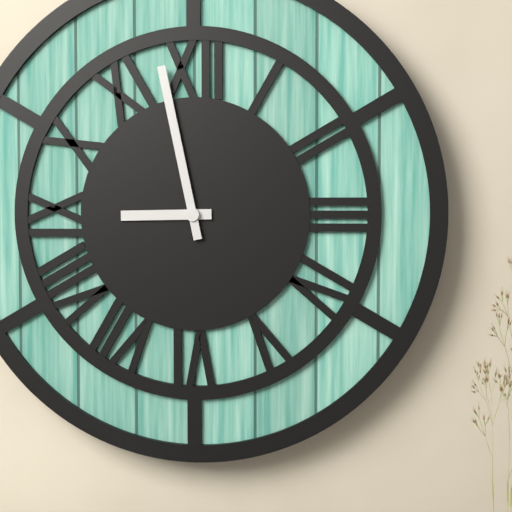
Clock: 8.58
